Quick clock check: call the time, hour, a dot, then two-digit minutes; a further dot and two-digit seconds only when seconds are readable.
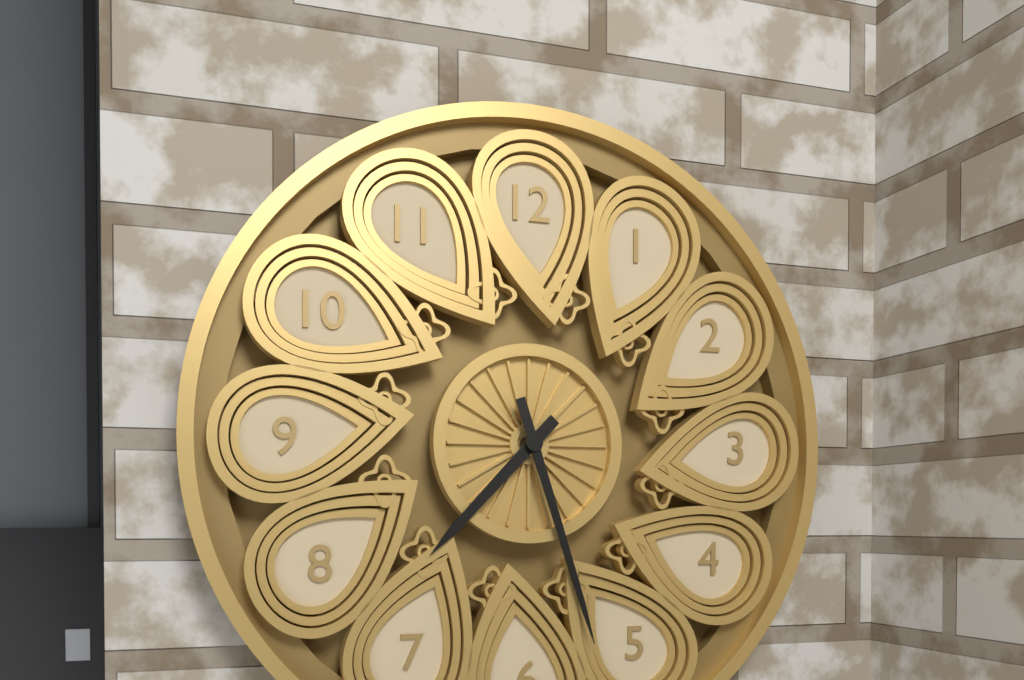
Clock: 7.27
